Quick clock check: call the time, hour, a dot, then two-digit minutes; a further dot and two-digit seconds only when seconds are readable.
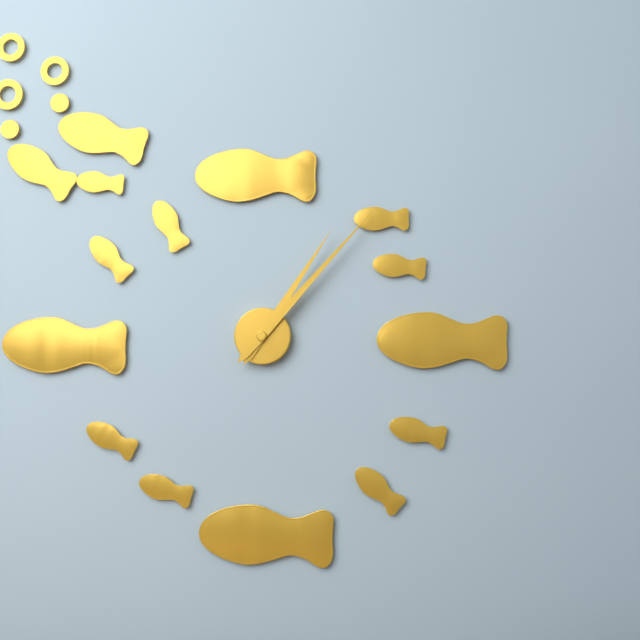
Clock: 1.07
